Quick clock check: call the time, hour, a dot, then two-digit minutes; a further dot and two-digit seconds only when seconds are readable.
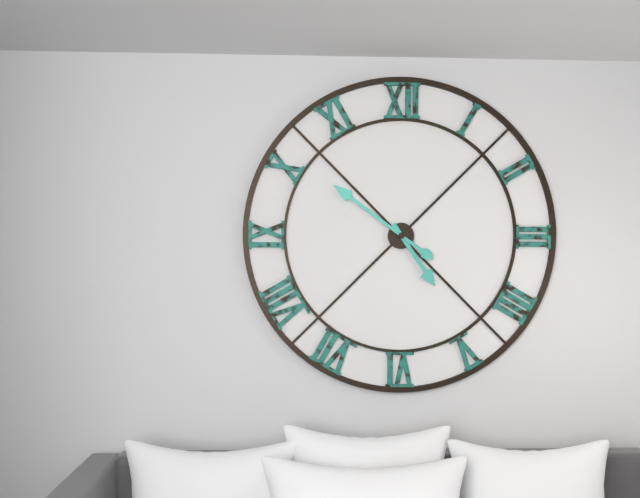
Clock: 4.51
